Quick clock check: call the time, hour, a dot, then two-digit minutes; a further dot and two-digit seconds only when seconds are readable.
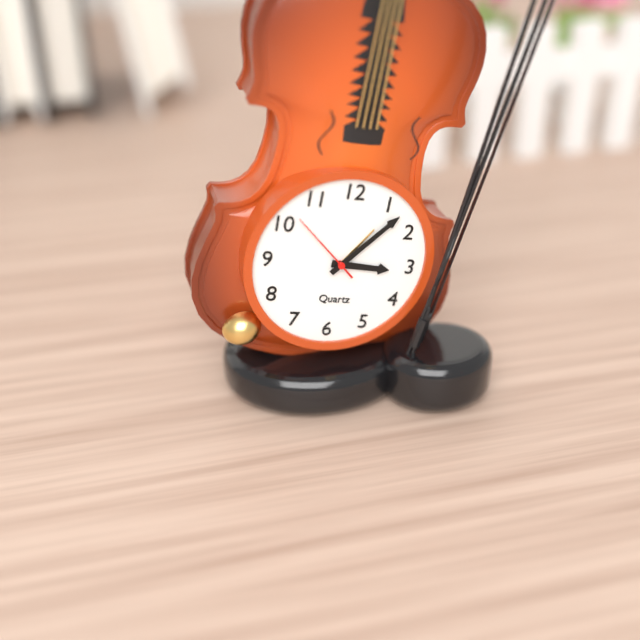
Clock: 3.07.52
